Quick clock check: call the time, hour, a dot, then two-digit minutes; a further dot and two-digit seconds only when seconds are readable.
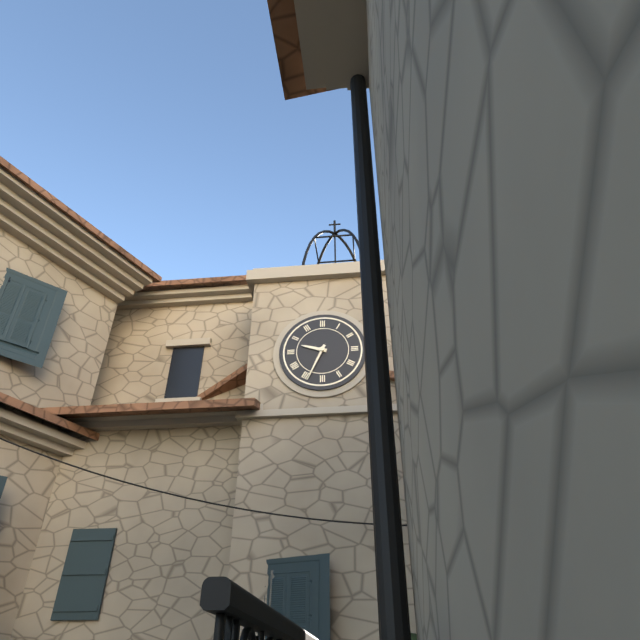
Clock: 9.34
